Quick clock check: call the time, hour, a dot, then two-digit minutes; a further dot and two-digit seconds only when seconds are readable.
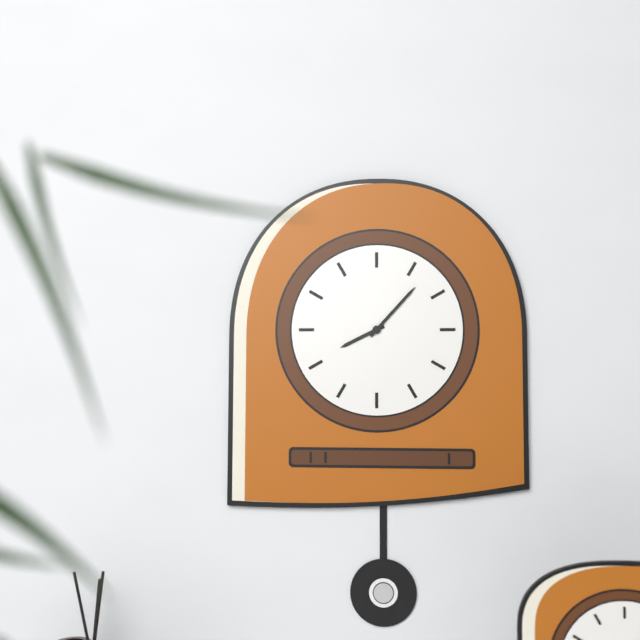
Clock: 8.07
